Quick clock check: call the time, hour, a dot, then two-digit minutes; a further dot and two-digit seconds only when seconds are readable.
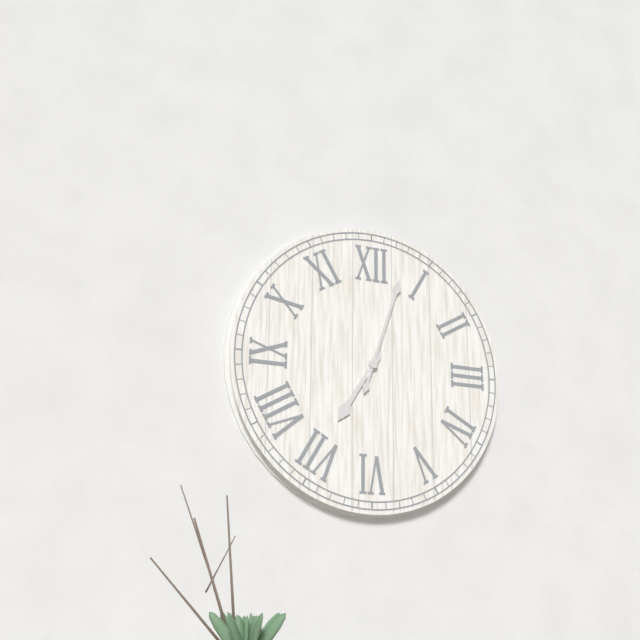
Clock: 7.03
